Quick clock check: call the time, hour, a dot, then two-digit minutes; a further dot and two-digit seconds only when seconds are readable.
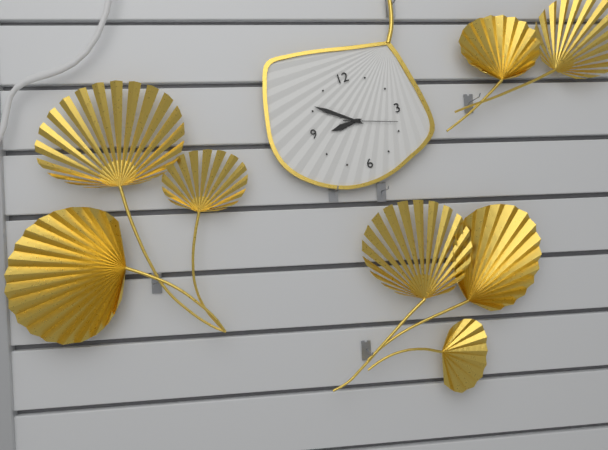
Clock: 8.51.18
